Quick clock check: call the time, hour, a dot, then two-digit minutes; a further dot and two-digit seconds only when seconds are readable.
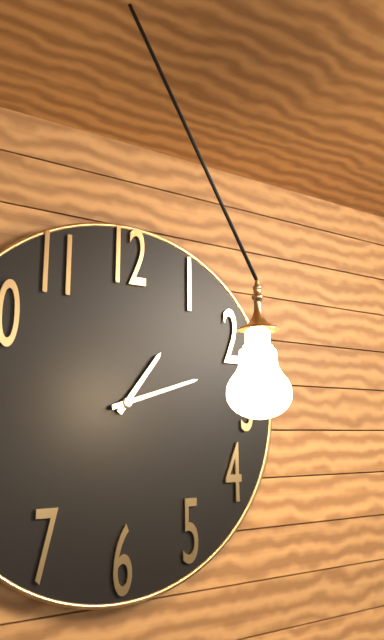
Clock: 1.12
